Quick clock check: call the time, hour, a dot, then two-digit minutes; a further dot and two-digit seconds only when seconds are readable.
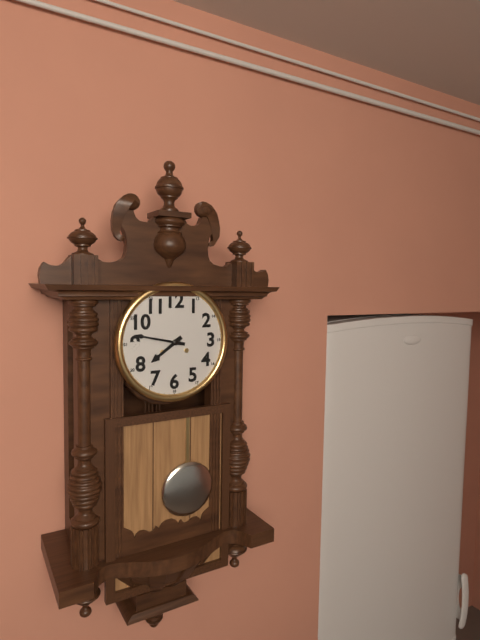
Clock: 7.47
